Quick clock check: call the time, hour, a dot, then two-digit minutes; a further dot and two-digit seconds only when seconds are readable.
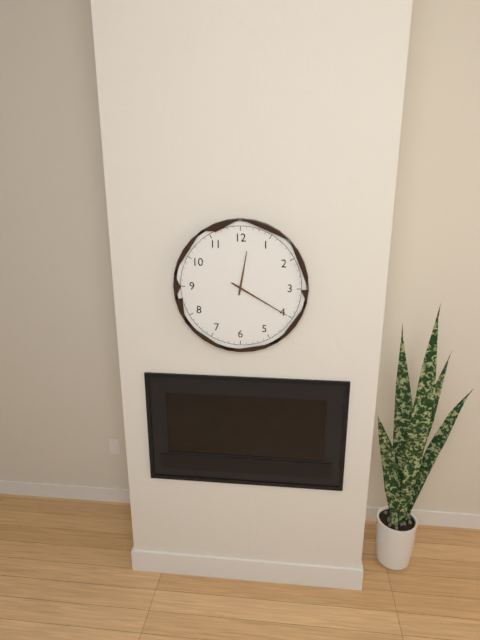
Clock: 12.20
